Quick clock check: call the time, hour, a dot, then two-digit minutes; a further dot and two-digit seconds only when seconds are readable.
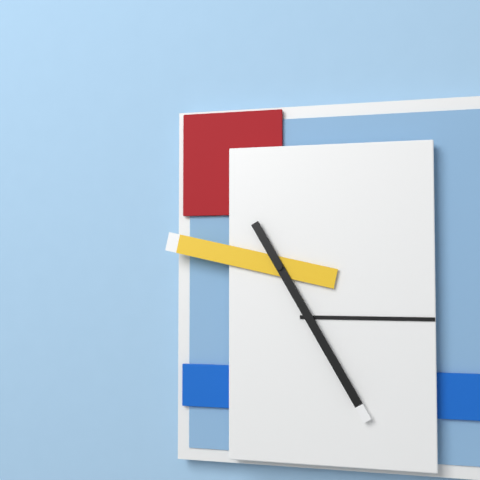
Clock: 9.25
